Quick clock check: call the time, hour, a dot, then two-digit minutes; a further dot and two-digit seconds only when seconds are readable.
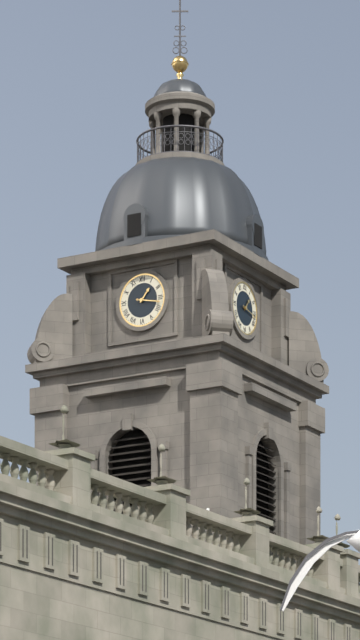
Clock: 1.17
